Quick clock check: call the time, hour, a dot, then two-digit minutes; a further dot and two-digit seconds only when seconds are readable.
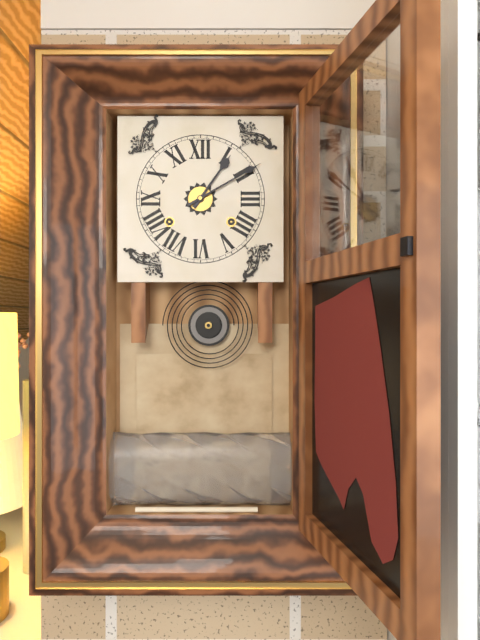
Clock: 1.10
